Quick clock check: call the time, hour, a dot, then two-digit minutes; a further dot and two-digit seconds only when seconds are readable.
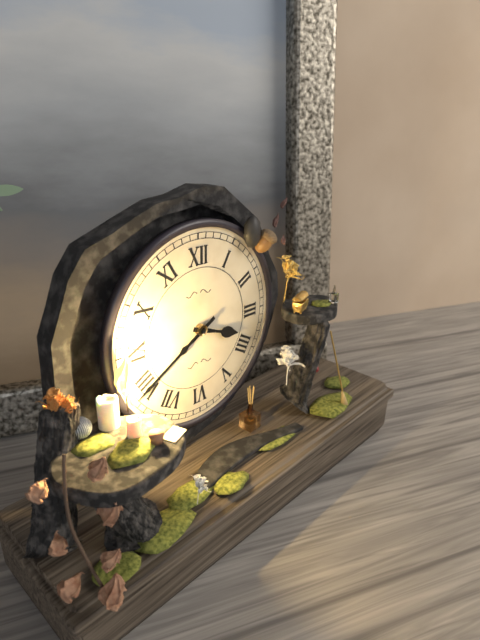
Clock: 3.40
